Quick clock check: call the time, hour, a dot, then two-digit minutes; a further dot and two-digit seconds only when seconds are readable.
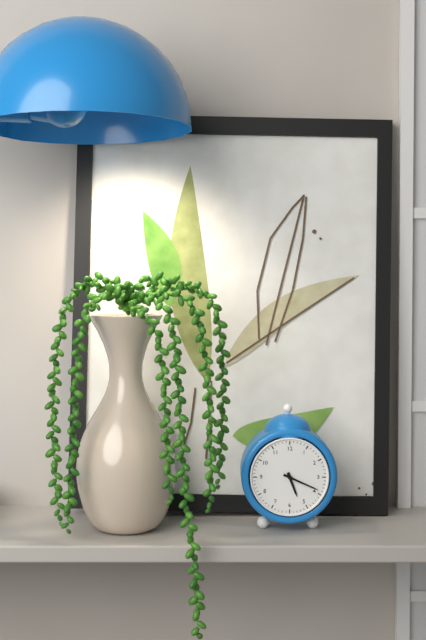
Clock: 5.19
